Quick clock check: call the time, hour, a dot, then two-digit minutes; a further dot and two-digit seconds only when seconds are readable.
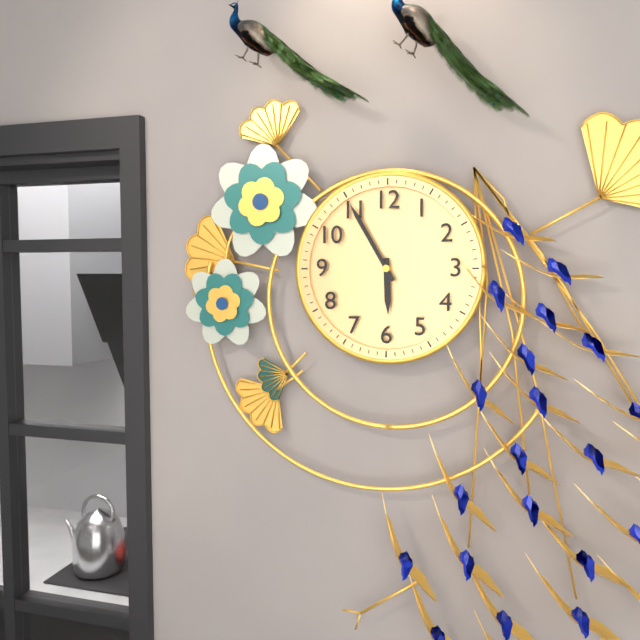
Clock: 5.55
